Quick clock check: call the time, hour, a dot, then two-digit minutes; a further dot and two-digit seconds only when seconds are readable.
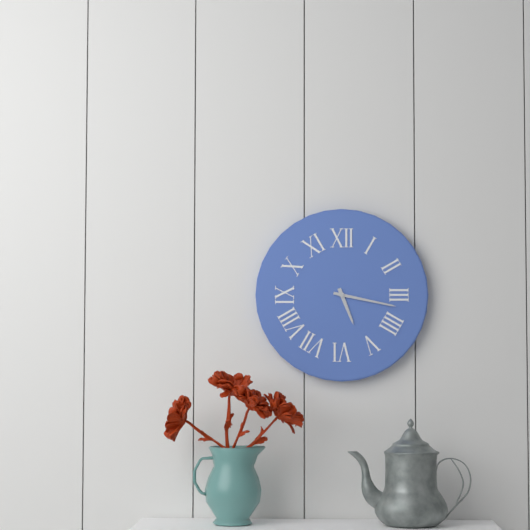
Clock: 5.17
